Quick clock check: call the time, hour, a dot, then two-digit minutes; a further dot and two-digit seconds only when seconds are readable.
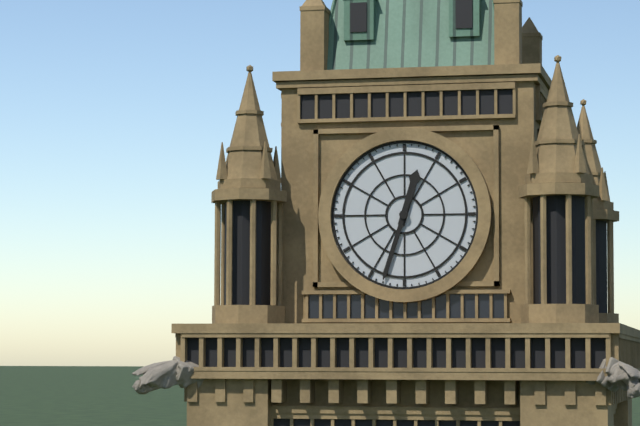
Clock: 12.33
